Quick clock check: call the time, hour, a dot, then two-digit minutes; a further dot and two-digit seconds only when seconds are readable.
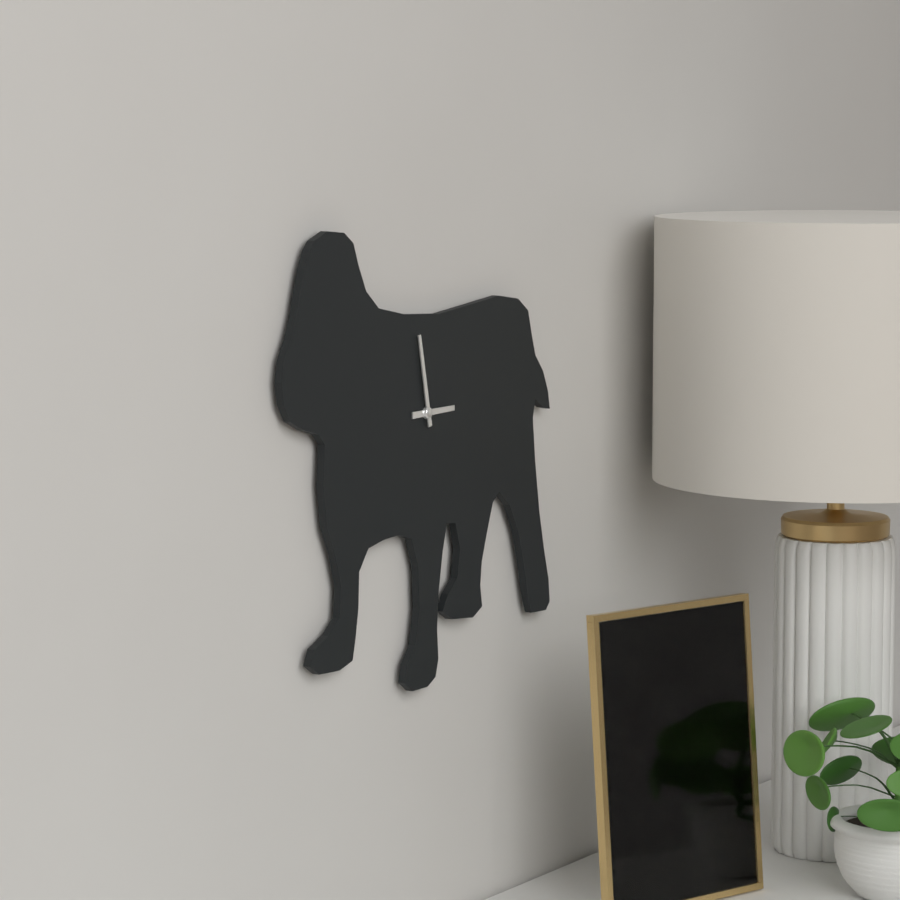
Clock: 2.58
